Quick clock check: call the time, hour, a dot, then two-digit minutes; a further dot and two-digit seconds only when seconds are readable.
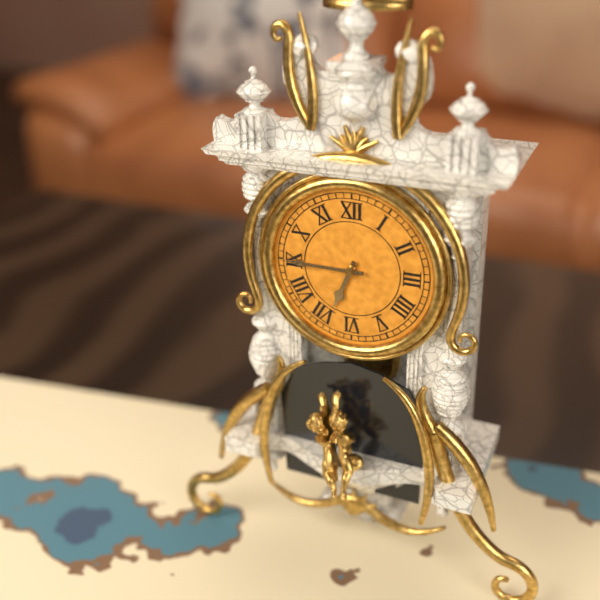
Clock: 6.45
